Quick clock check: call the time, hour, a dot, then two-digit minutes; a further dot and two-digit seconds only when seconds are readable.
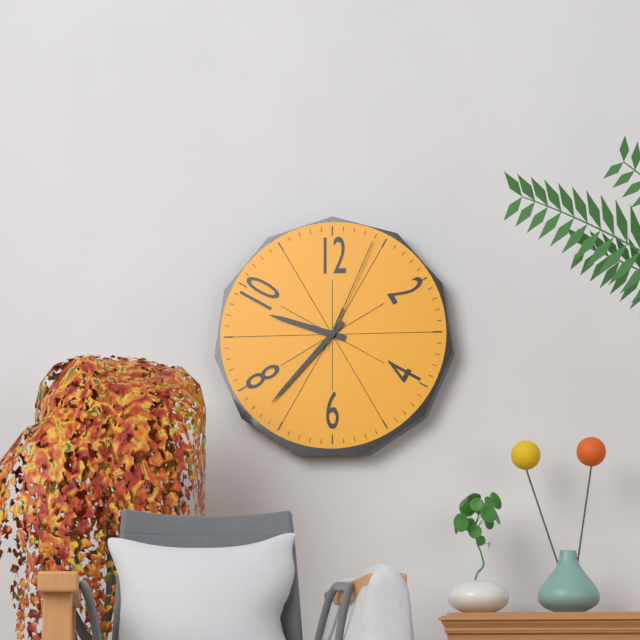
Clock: 9.37.04
